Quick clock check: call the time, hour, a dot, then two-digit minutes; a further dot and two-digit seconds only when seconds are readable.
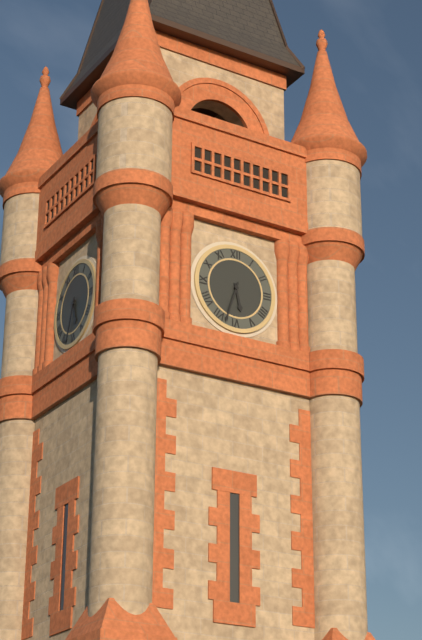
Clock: 5.33
